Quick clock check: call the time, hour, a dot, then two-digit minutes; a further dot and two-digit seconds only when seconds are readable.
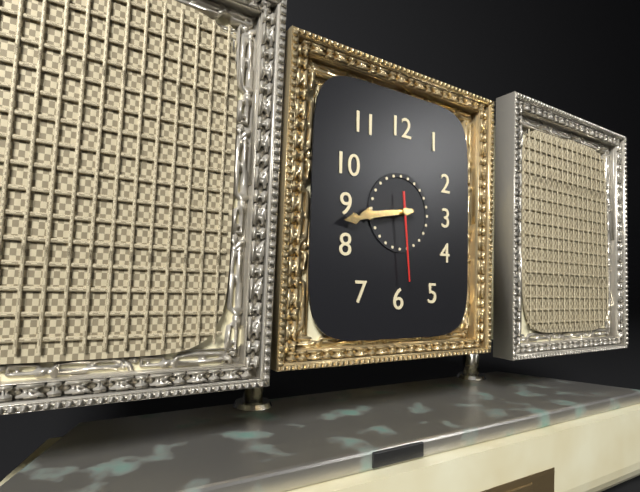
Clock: 8.43.29
